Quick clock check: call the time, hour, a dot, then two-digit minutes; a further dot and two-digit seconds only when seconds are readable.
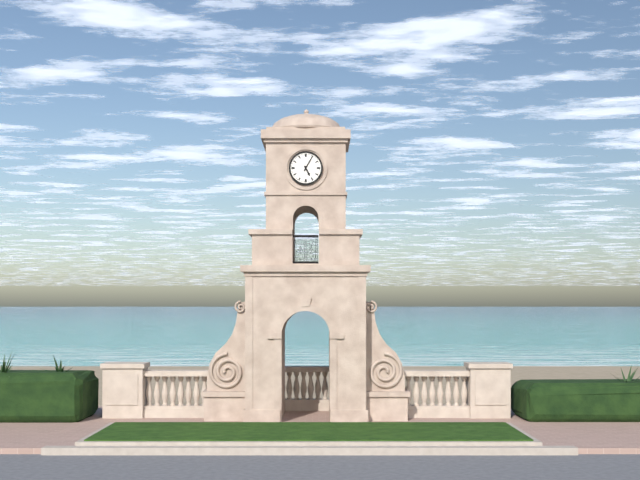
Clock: 5.05
